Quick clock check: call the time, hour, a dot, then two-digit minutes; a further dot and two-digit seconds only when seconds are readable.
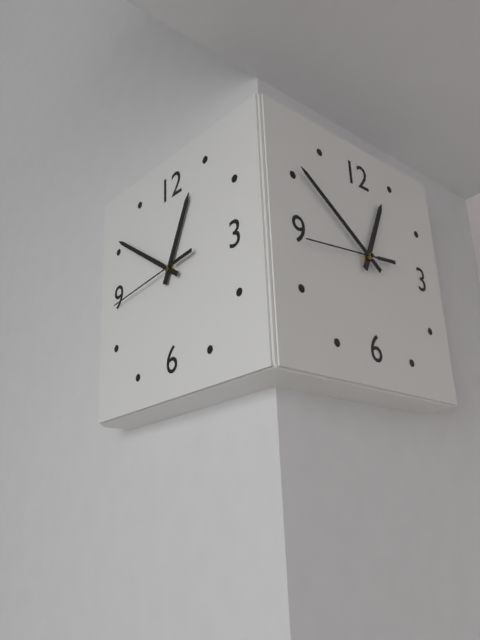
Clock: 12.51.44
